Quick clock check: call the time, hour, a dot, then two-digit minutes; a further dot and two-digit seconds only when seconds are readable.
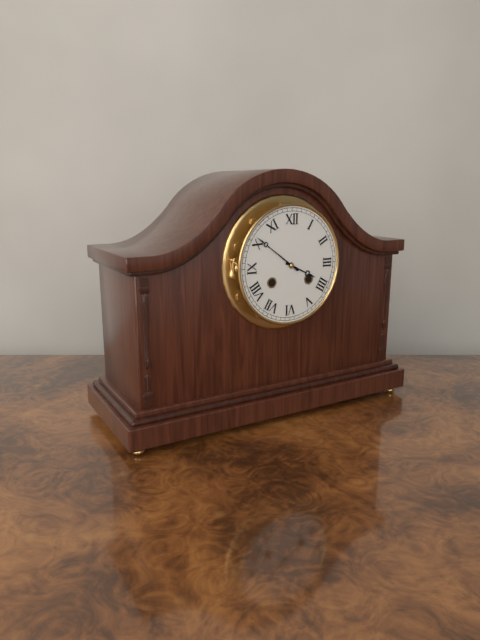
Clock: 3.51
